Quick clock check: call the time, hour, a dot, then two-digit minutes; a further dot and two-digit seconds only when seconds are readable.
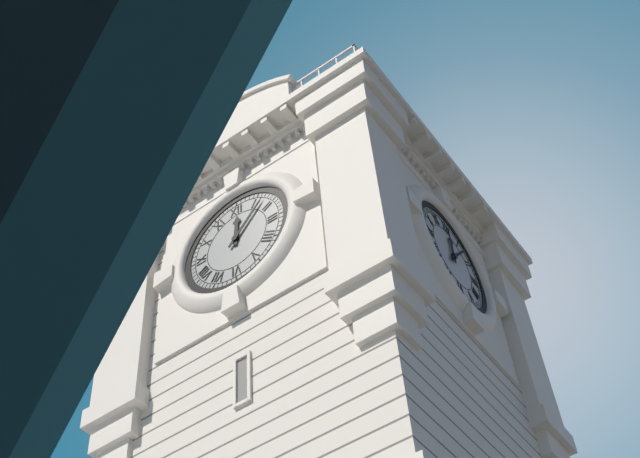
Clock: 12.07
